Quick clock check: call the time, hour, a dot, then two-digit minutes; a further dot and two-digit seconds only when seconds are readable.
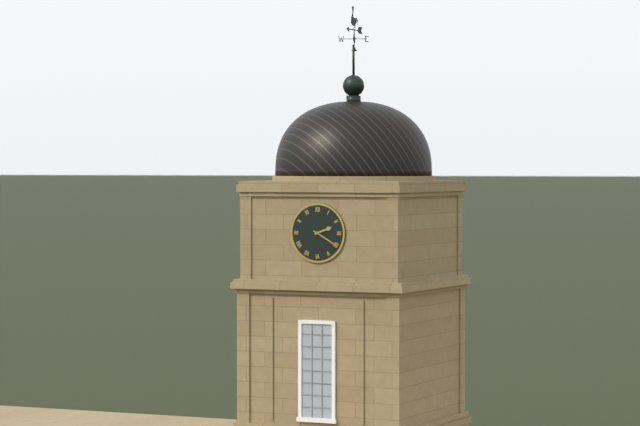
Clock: 2.20
